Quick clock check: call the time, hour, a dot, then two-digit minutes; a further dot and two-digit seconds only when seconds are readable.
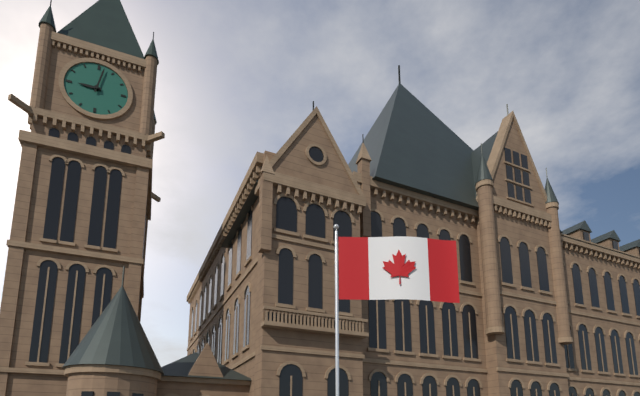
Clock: 9.02
